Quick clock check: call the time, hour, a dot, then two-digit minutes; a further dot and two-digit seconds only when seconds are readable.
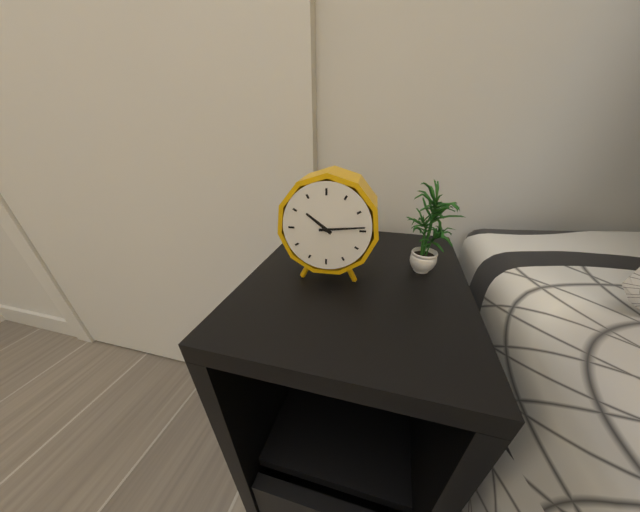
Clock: 10.14
